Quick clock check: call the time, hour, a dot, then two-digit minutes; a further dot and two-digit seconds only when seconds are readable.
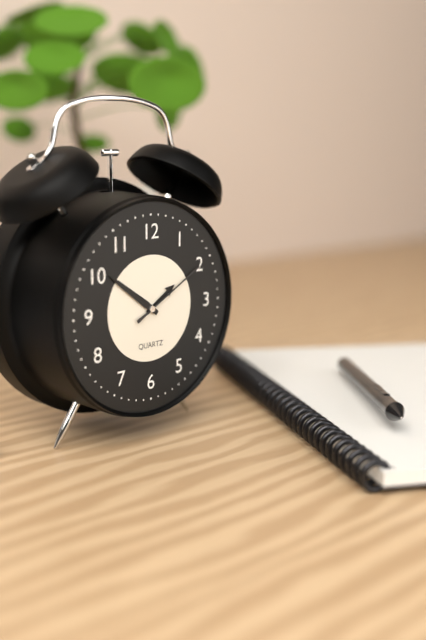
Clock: 1.51.10
